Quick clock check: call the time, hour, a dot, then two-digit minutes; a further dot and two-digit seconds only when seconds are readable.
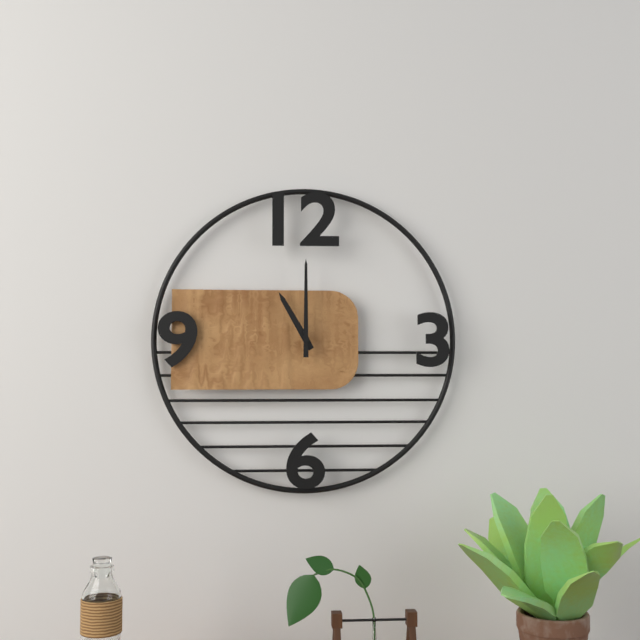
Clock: 11.00
